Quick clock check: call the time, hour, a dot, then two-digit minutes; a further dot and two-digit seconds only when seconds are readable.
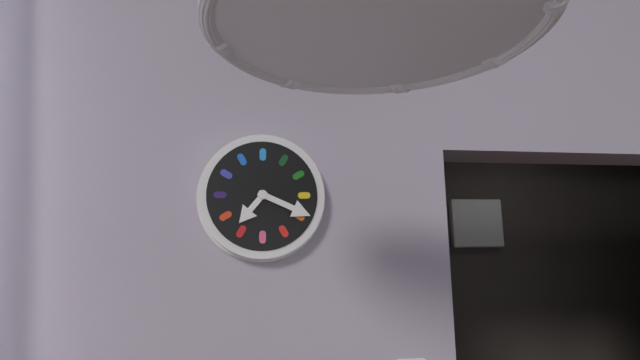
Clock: 7.19
